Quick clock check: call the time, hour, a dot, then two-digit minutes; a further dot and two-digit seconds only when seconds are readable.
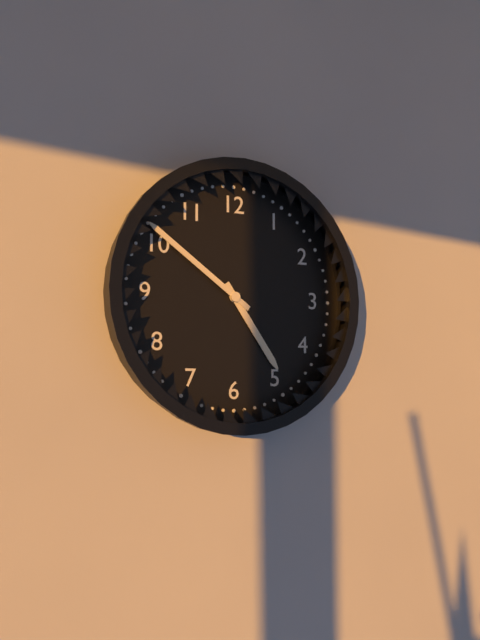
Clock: 4.51
